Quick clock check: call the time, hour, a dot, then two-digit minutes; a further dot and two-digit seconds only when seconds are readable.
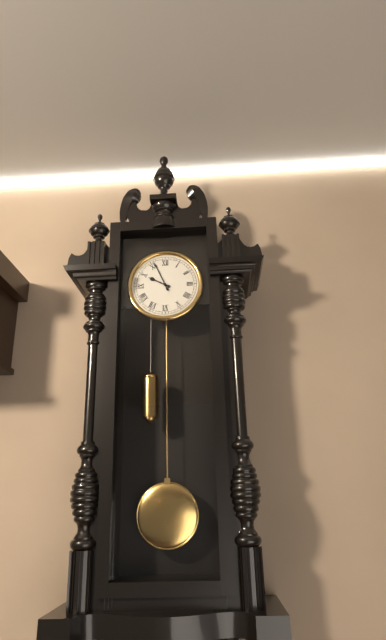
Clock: 9.56
